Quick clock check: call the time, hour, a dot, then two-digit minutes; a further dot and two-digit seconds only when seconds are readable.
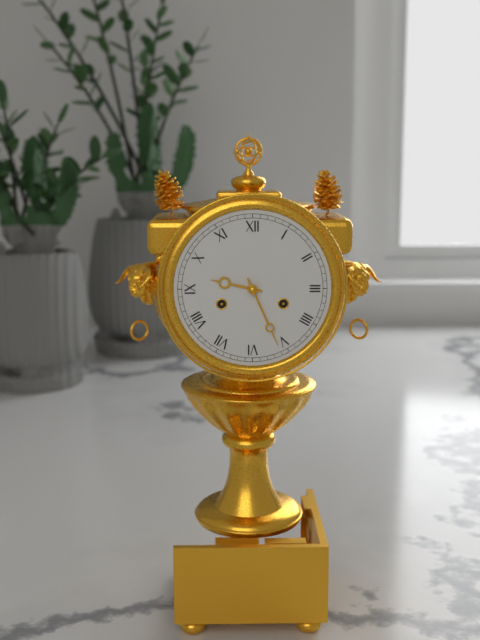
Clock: 9.26
